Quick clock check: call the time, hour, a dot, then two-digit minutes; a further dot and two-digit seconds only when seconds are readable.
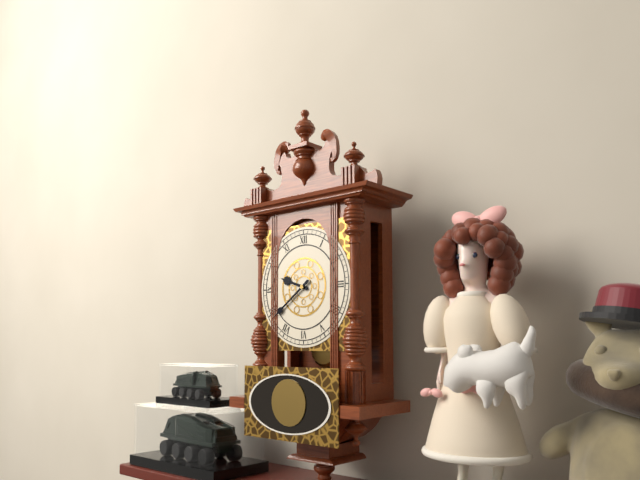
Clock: 9.39
